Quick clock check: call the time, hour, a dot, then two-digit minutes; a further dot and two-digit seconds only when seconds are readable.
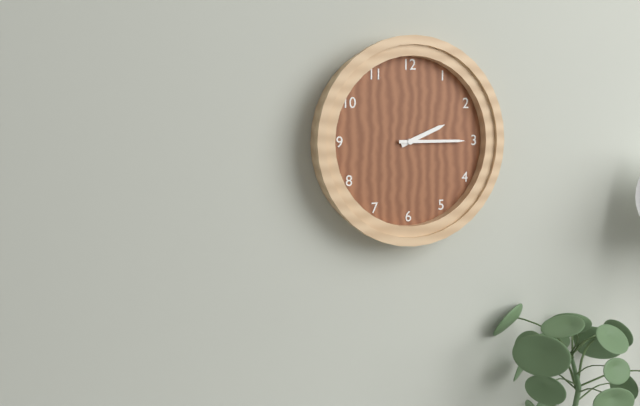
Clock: 2.15
